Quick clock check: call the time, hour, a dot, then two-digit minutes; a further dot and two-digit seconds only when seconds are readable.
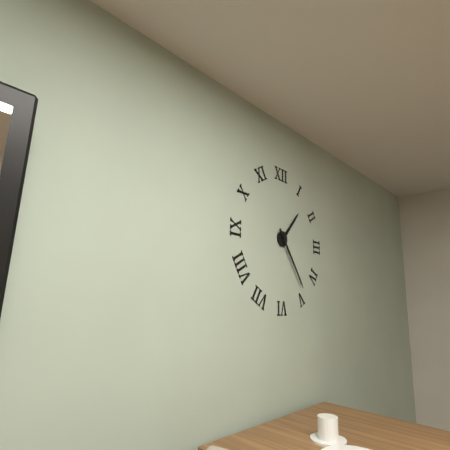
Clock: 1.24
